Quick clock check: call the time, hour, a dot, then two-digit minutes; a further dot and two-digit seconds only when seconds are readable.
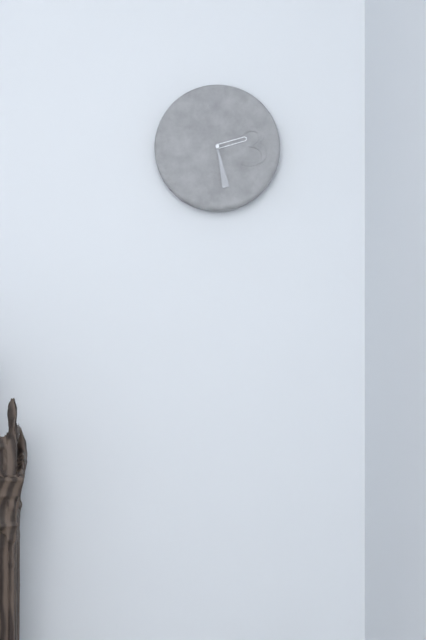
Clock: 2.28
